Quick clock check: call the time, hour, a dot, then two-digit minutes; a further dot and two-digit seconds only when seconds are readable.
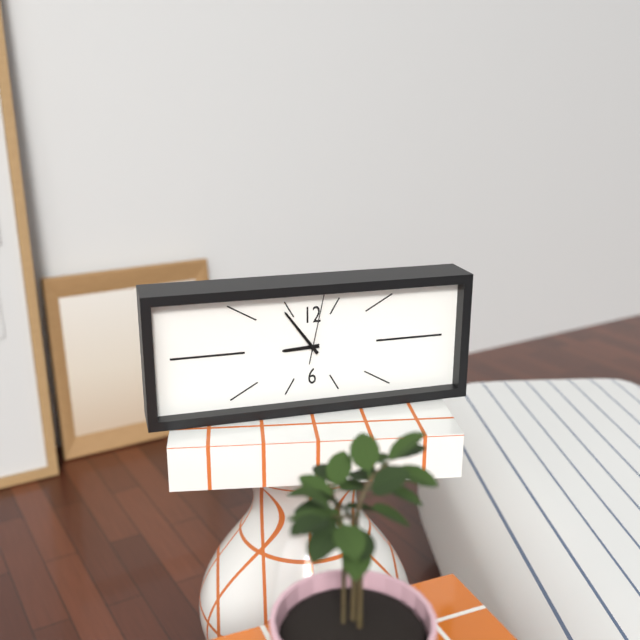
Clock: 8.54.02
